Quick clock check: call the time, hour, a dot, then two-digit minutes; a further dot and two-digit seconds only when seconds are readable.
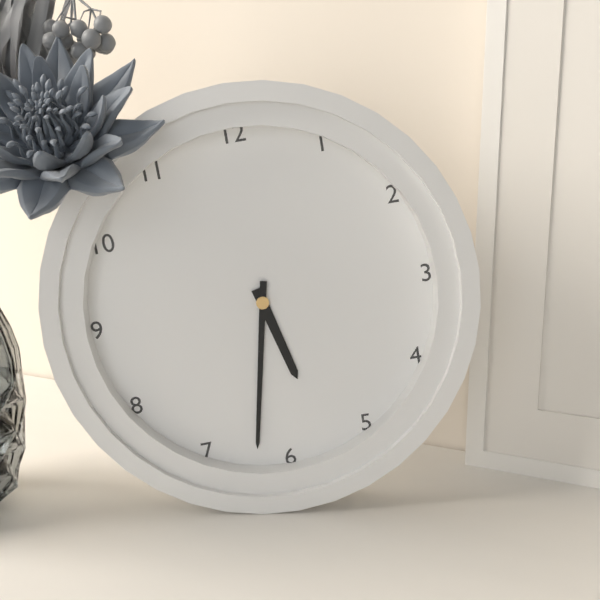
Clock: 5.32
